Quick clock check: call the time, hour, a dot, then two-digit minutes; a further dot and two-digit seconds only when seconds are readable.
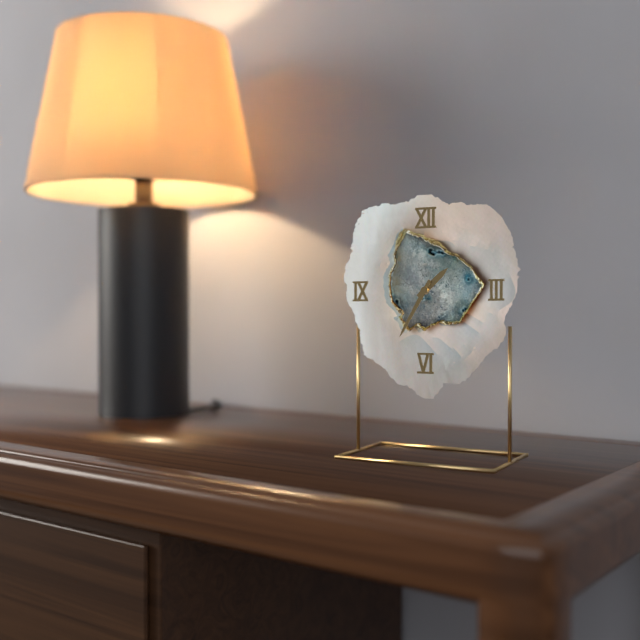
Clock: 1.35
